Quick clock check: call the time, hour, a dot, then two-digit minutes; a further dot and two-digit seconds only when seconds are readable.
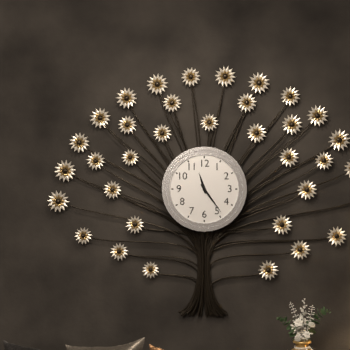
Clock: 11.24
